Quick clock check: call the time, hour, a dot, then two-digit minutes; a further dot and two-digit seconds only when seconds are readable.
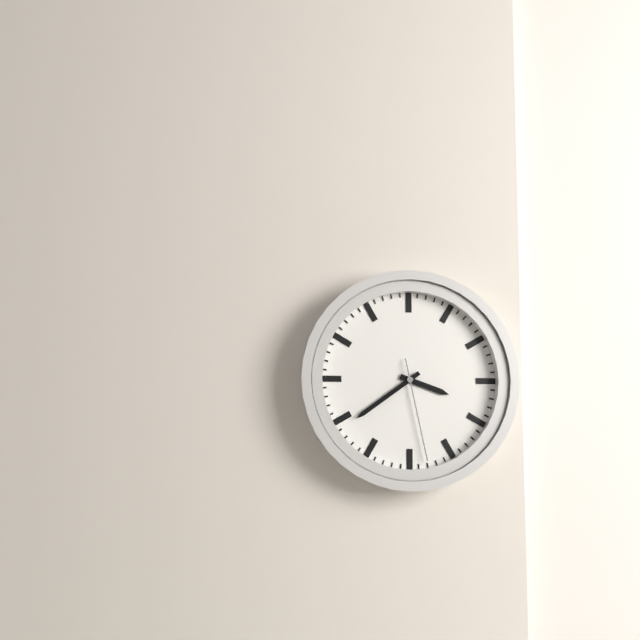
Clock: 3.39.28
